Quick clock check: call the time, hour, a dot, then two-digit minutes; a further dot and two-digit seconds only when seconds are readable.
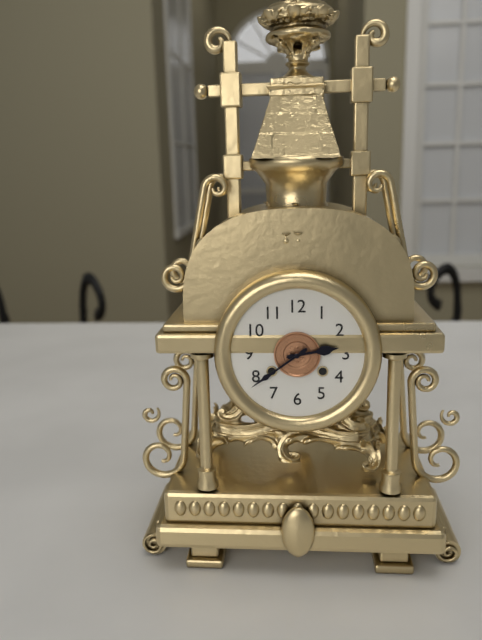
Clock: 2.39
